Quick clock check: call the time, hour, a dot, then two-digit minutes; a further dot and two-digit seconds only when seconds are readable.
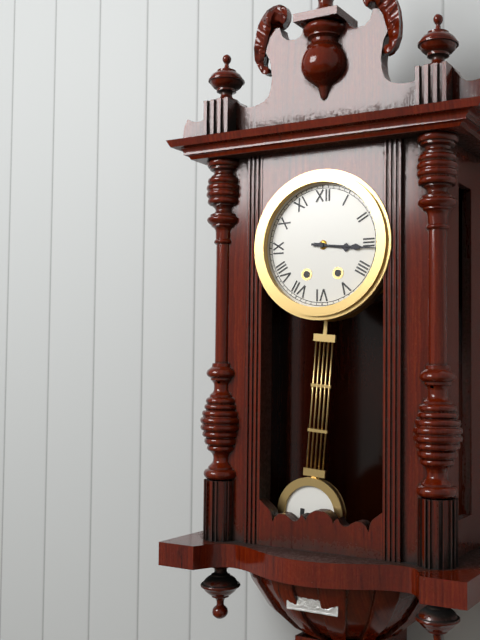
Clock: 3.16
